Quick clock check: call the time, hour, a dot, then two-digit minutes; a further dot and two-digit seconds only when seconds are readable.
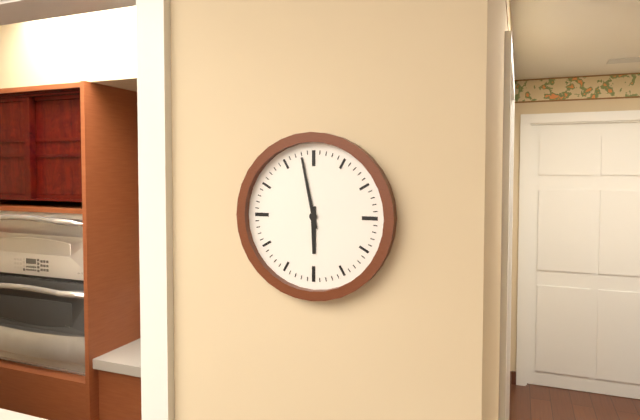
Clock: 5.58
